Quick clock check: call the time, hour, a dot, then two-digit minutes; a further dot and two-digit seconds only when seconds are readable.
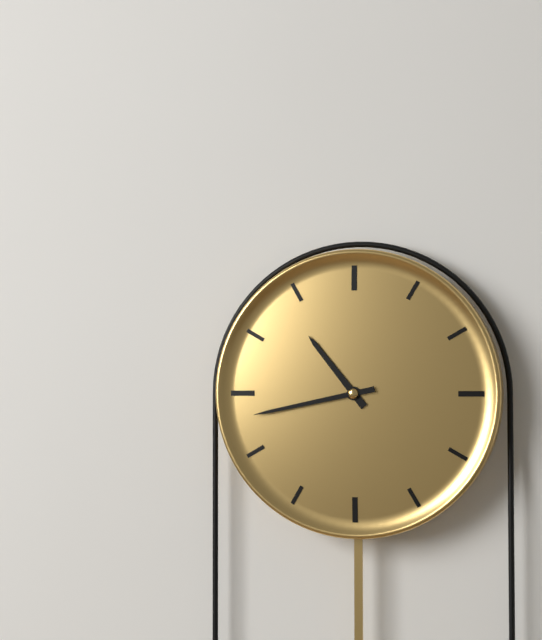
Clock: 10.43
